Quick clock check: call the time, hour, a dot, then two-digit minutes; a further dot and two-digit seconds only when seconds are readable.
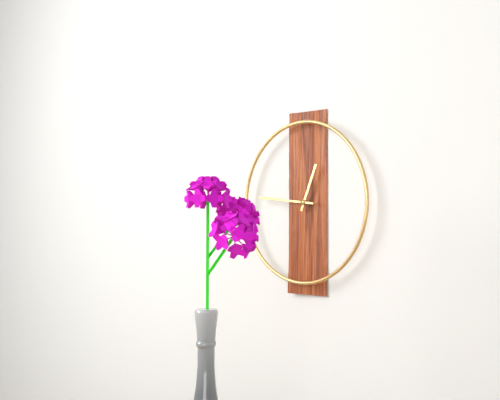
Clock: 12.46
